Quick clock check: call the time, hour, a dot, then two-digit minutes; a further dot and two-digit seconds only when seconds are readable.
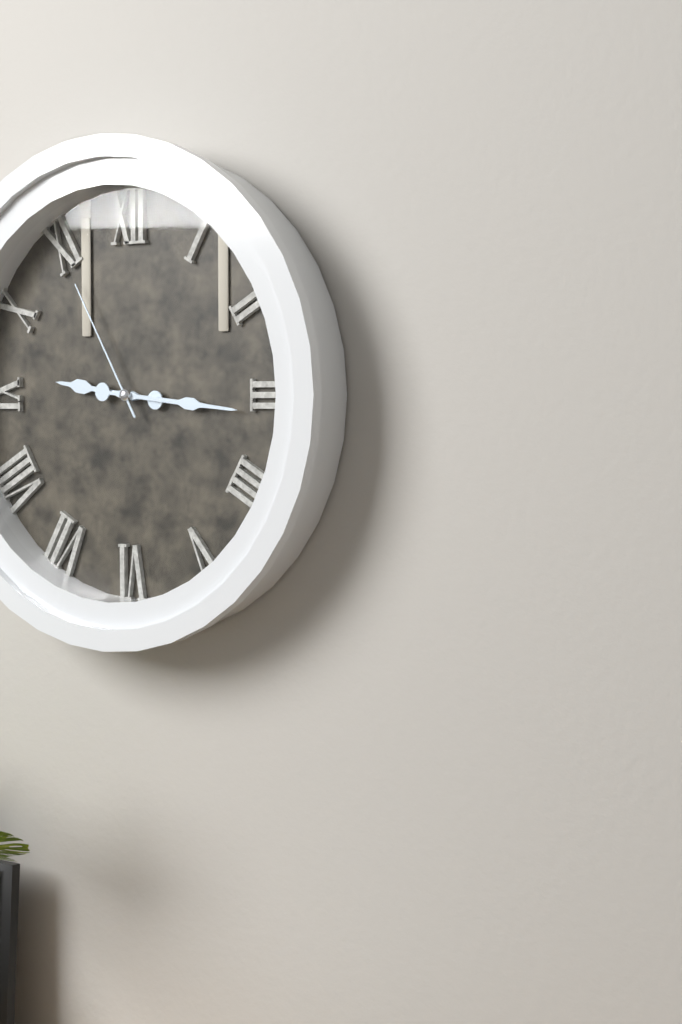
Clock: 9.16.55
